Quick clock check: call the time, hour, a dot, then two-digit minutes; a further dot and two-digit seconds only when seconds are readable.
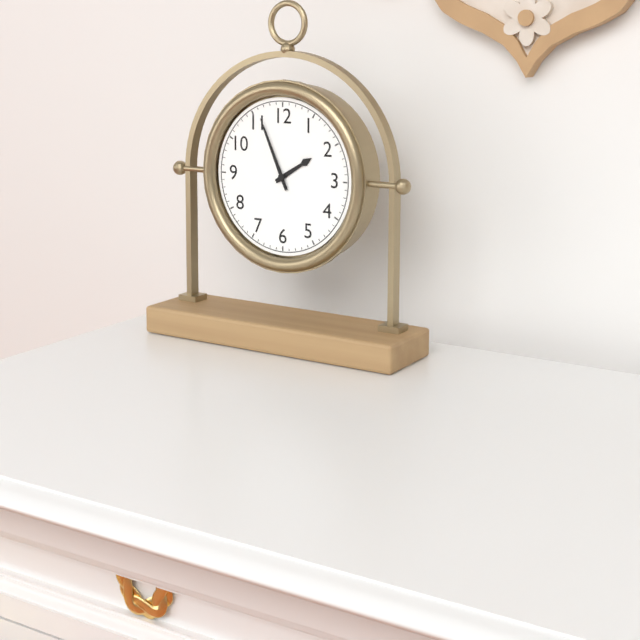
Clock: 1.56
